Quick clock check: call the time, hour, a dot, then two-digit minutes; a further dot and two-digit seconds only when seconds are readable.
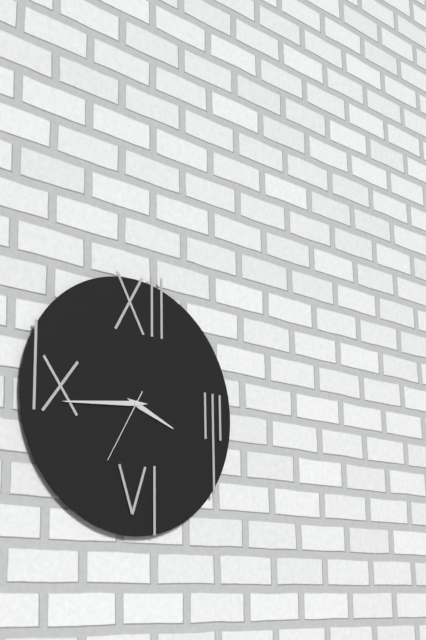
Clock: 3.44.35
